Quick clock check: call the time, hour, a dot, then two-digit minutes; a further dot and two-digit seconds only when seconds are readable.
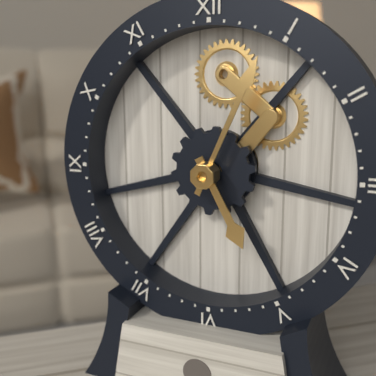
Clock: 5.04
